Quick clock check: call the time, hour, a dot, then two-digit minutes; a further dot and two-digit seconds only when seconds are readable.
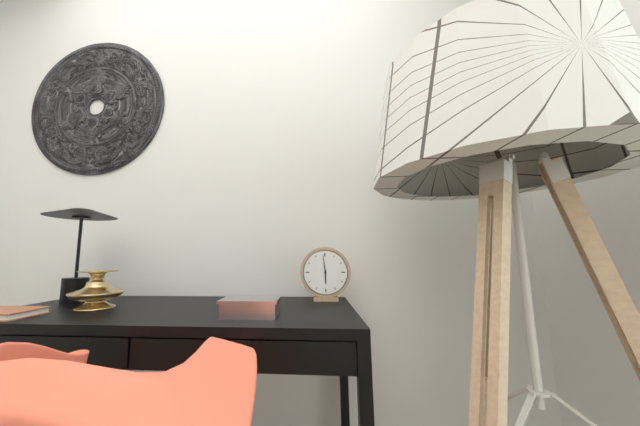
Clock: 5.59
